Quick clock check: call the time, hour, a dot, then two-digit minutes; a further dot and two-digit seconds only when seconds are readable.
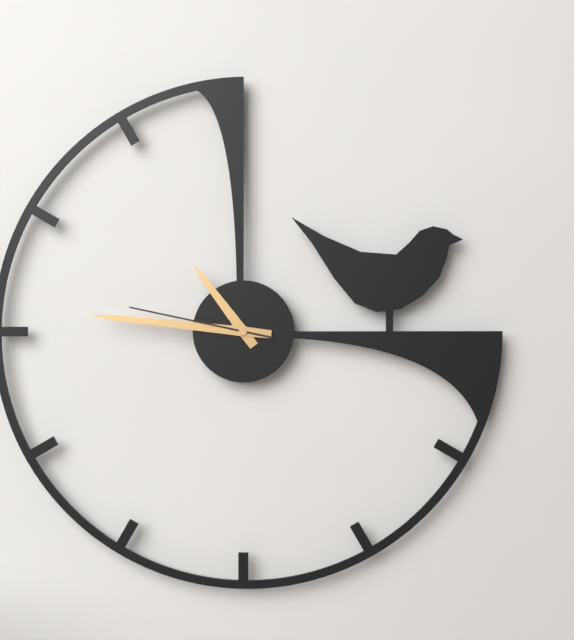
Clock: 10.46.47
